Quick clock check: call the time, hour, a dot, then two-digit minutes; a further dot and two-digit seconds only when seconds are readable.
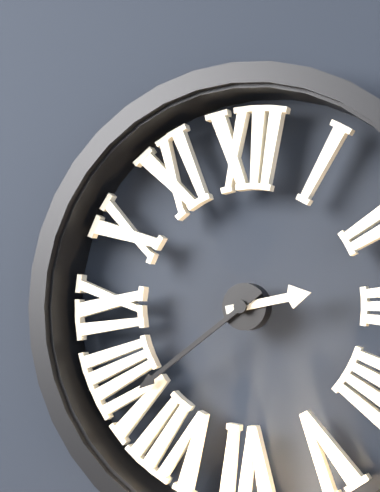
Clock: 2.39
